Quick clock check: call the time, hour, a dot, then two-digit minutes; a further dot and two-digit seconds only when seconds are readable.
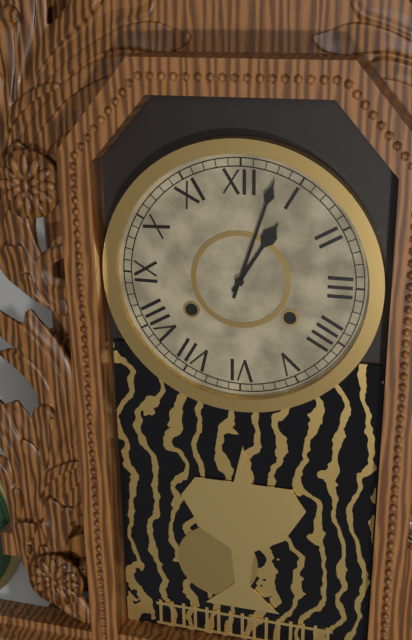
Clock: 1.03
